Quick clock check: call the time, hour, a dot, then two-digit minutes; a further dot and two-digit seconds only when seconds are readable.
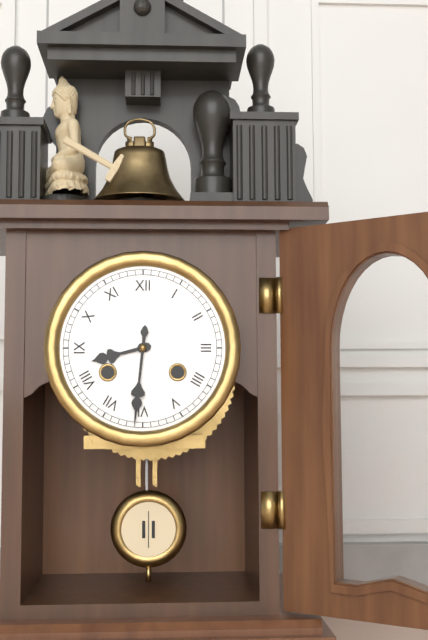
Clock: 8.31
